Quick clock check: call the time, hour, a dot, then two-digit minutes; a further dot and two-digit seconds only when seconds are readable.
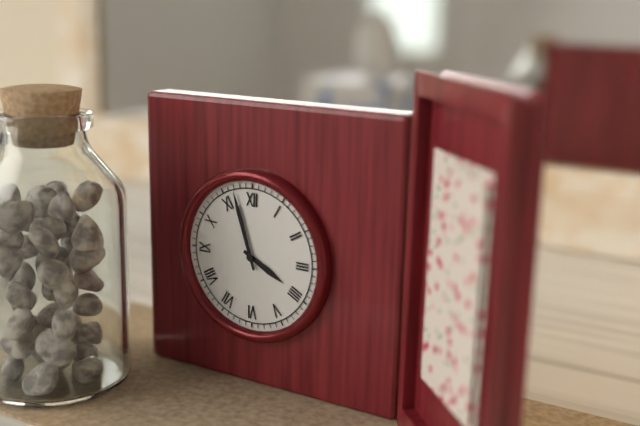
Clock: 3.57
